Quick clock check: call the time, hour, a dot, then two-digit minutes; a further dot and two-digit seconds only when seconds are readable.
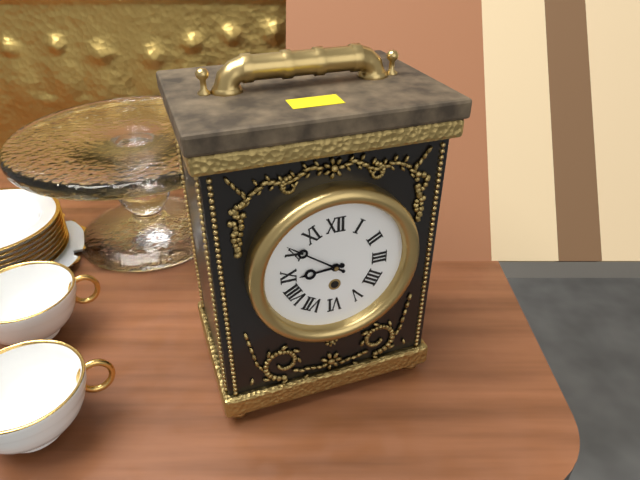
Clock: 8.51
